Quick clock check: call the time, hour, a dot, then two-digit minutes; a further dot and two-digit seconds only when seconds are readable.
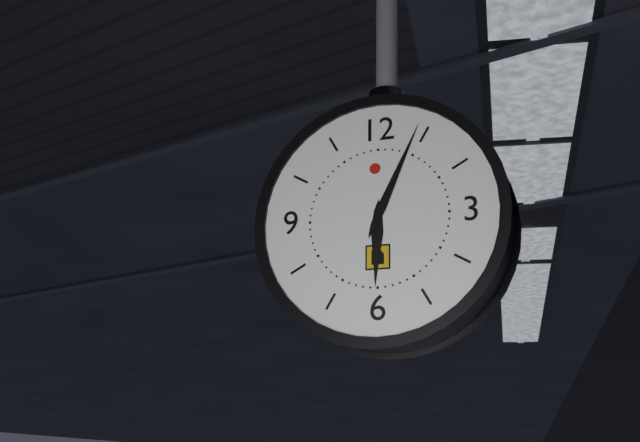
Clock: 6.04
